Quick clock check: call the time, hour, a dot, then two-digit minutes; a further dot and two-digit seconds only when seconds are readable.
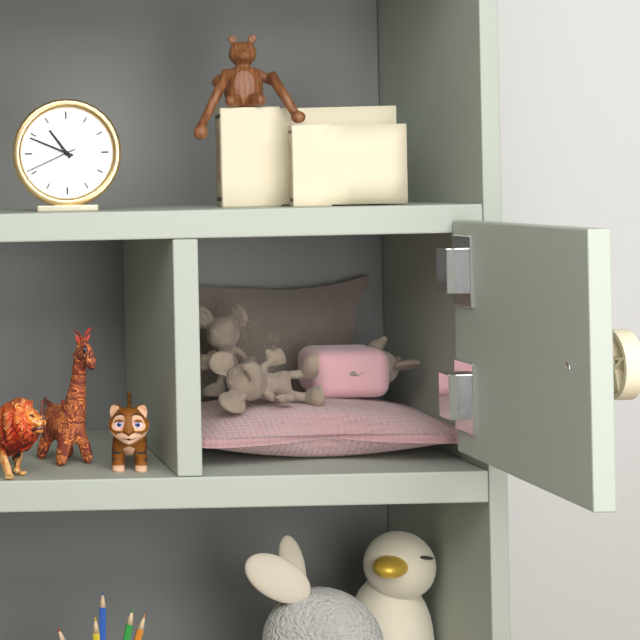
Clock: 10.49.41
